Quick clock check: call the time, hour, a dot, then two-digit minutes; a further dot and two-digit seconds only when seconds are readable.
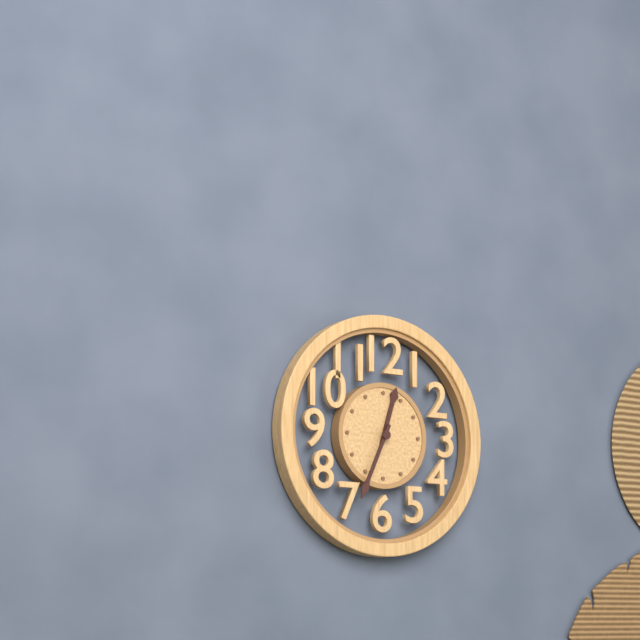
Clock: 12.34
